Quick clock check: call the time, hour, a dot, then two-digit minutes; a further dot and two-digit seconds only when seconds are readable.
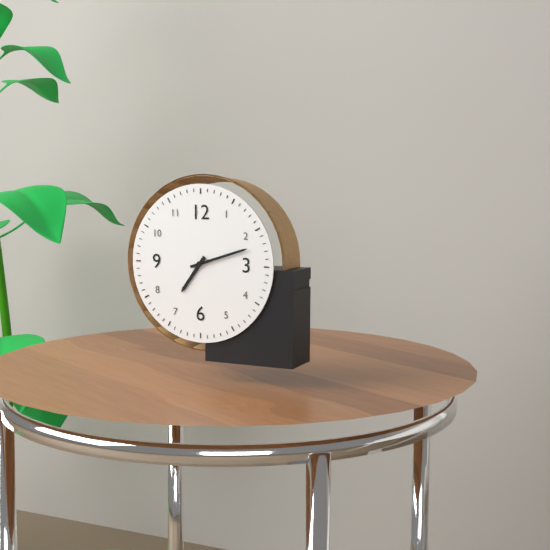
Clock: 7.12
